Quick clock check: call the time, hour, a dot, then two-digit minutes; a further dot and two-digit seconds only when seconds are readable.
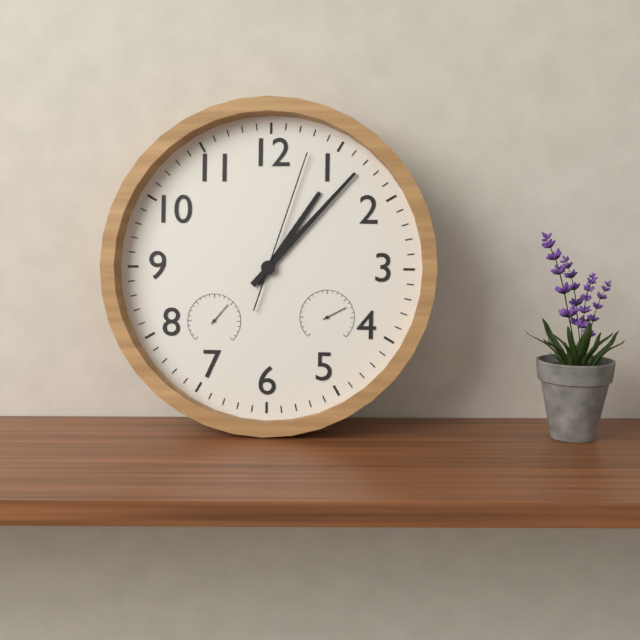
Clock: 1.07.03
